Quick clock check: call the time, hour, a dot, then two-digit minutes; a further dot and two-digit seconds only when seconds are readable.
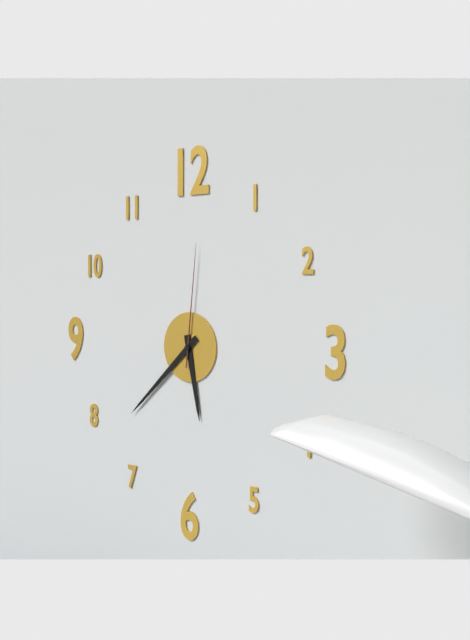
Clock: 5.38.01
